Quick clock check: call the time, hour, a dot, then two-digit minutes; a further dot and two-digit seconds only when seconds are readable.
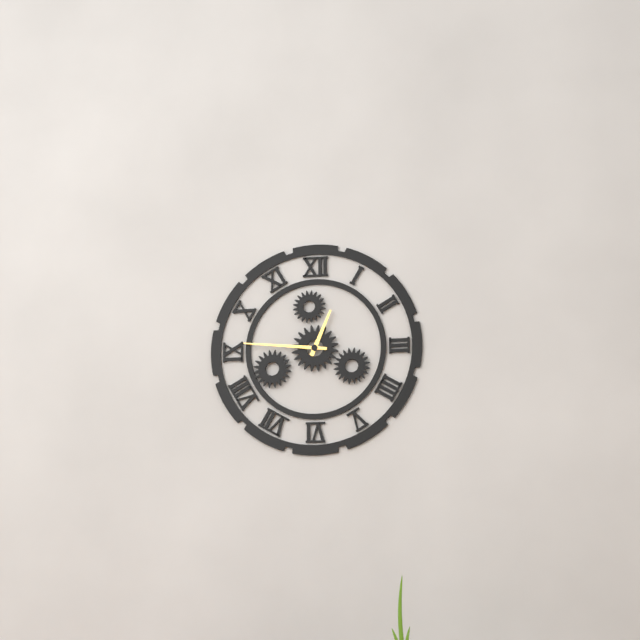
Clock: 12.46
